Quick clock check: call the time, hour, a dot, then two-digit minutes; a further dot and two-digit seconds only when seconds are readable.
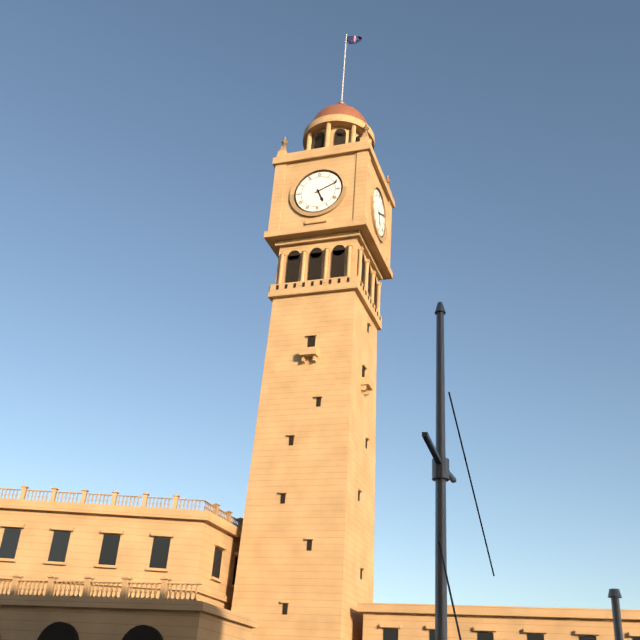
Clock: 5.11
